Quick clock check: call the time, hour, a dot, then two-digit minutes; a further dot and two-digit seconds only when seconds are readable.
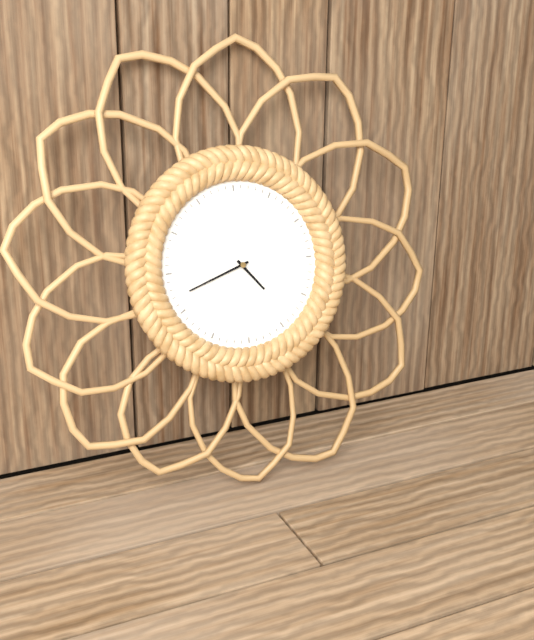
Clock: 4.42
